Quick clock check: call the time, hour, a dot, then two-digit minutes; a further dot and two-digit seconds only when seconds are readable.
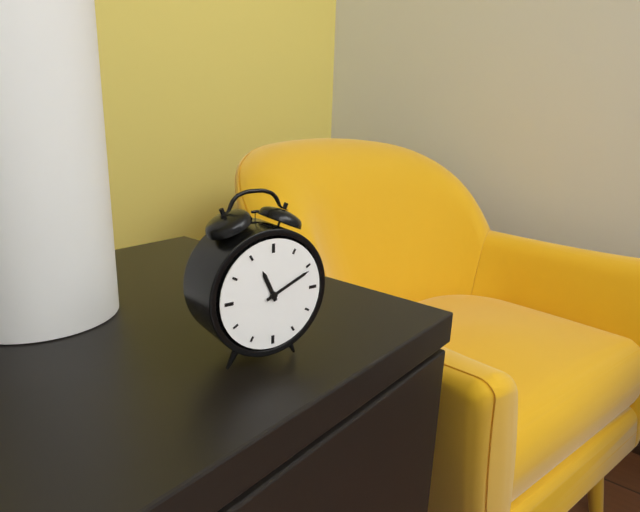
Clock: 11.11
